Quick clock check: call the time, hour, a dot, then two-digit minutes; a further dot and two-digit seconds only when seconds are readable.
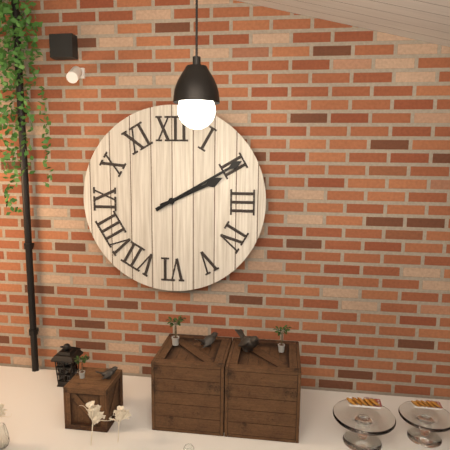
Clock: 2.10
